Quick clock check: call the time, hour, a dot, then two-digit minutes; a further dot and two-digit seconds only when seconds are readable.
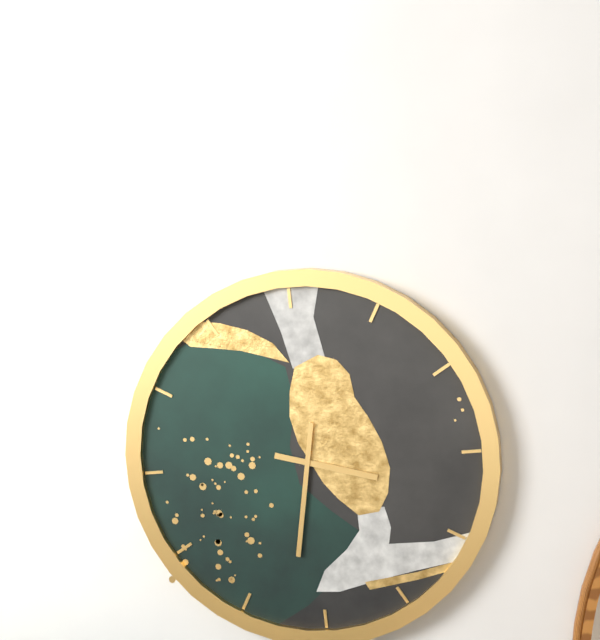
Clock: 3.32
